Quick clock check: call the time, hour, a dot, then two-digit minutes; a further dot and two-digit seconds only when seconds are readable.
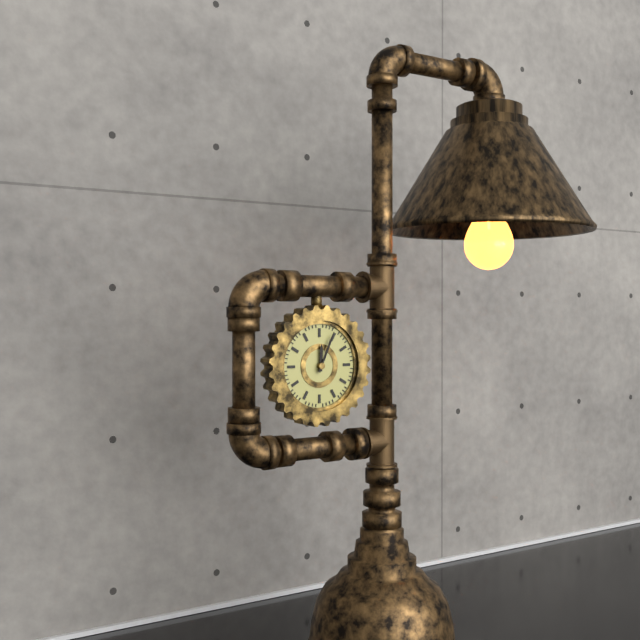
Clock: 12.04
